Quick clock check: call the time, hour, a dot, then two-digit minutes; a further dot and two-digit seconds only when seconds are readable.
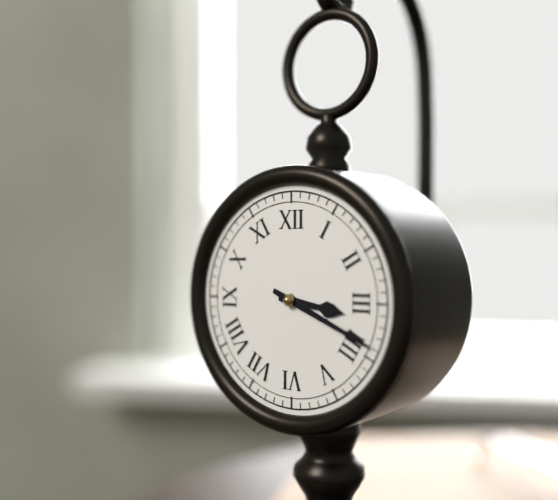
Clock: 3.19
